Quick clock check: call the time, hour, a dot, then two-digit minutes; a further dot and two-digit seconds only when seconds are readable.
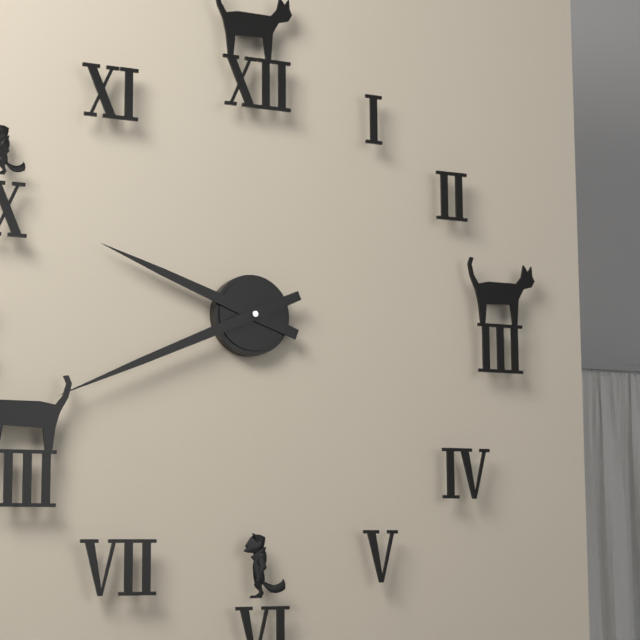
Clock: 9.41
